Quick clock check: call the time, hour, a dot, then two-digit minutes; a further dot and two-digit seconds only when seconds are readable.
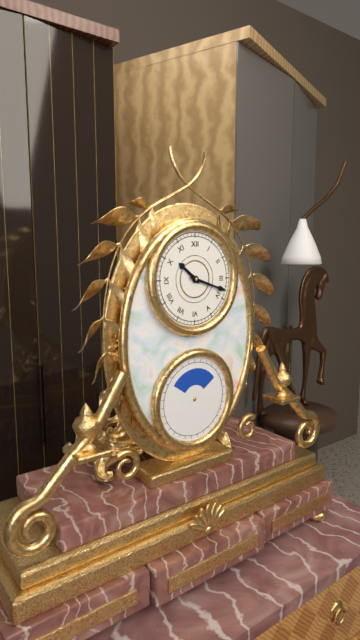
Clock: 10.18
